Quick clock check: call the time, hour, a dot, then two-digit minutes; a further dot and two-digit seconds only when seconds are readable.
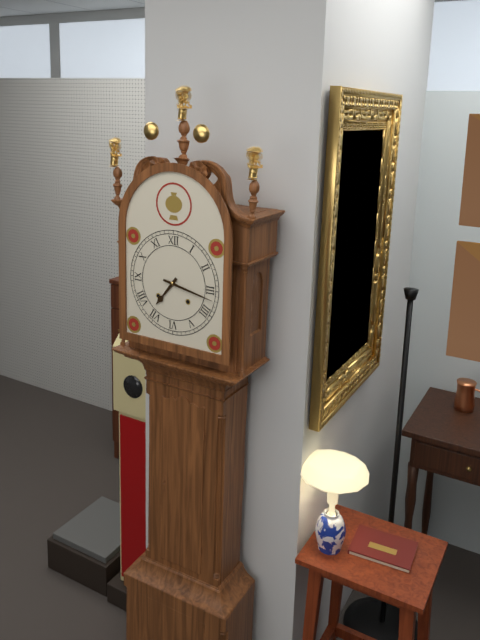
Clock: 7.17
